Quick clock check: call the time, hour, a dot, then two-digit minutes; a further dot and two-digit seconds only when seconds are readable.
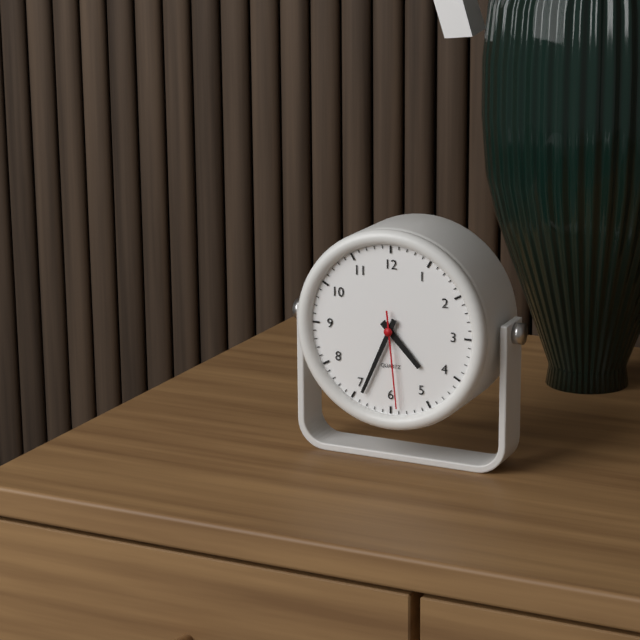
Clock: 4.34.29
